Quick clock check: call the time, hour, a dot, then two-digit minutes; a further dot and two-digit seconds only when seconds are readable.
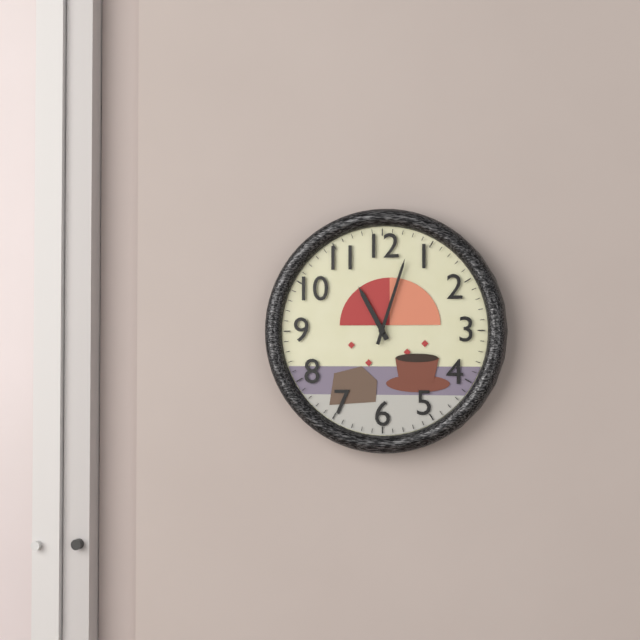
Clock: 11.03
